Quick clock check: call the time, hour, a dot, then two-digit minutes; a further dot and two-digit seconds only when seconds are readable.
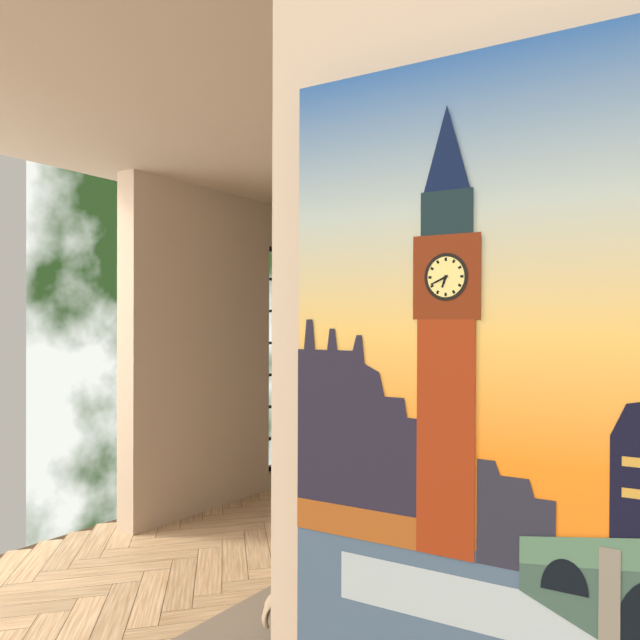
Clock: 6.41
